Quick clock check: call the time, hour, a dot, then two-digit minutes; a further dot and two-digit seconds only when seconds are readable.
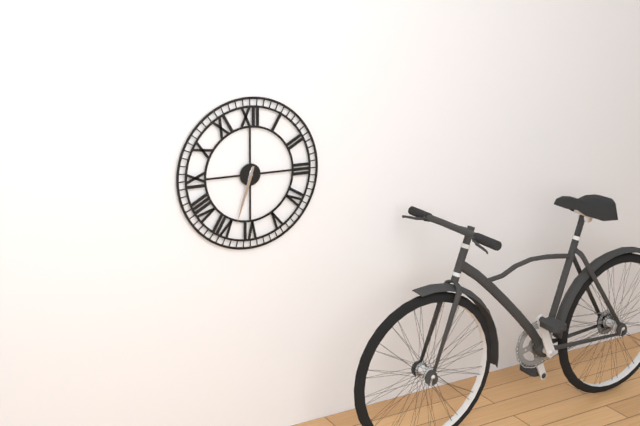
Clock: 6.33
